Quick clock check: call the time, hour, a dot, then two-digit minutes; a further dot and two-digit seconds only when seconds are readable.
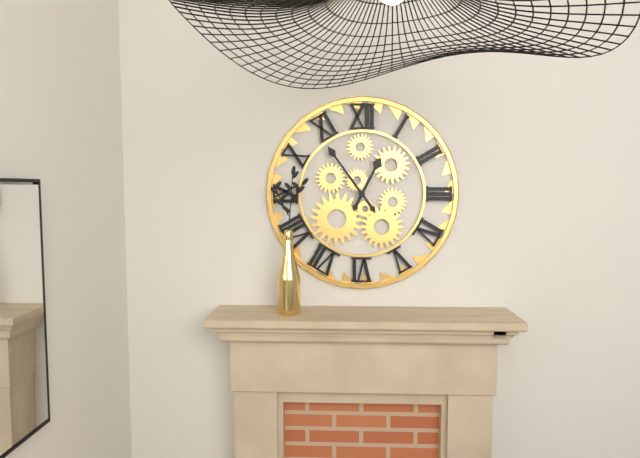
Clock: 12.54
